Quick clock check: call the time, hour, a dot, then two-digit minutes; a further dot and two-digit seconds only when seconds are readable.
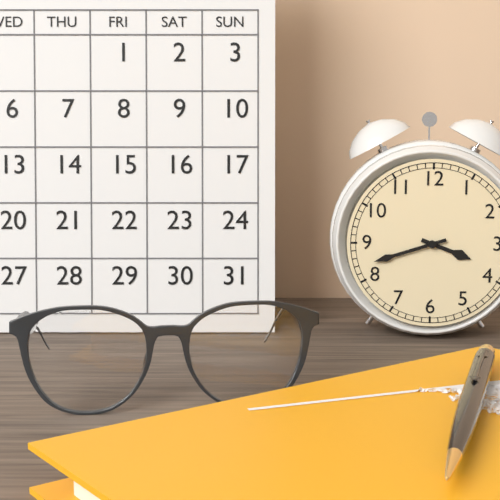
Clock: 3.42
